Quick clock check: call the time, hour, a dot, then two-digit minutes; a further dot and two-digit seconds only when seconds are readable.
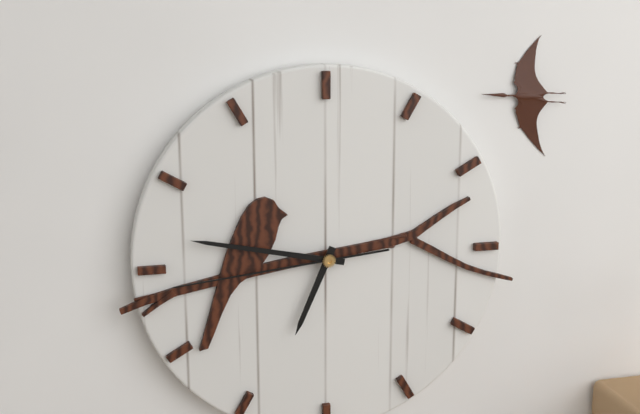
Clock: 6.47.44
